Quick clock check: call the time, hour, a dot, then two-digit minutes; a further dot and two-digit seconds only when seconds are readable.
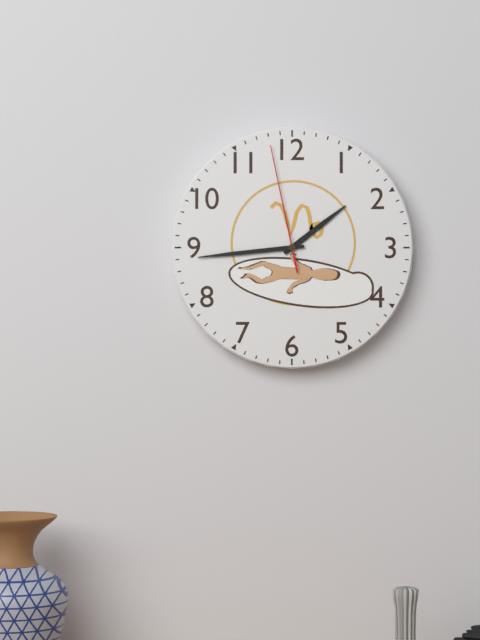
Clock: 1.44.58
